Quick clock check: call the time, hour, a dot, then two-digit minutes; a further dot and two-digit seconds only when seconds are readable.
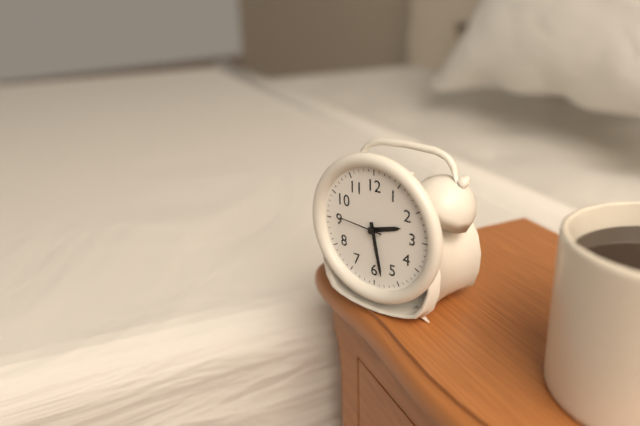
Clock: 2.28
